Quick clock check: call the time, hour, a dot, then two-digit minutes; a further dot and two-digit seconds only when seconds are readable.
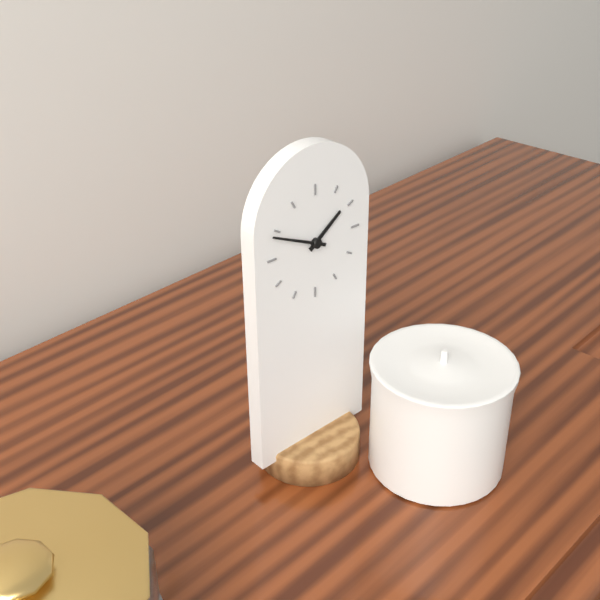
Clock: 1.49
